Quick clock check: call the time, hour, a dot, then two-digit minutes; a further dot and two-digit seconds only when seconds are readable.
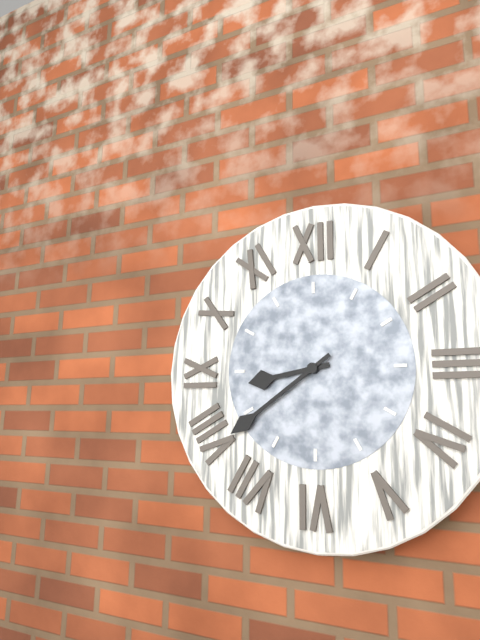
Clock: 8.39
